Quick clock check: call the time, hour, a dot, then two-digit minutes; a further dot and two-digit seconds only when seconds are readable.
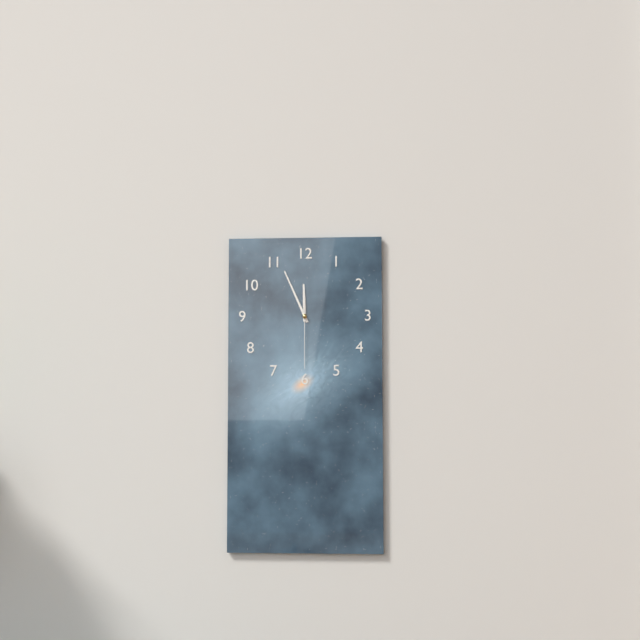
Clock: 11.56.30
